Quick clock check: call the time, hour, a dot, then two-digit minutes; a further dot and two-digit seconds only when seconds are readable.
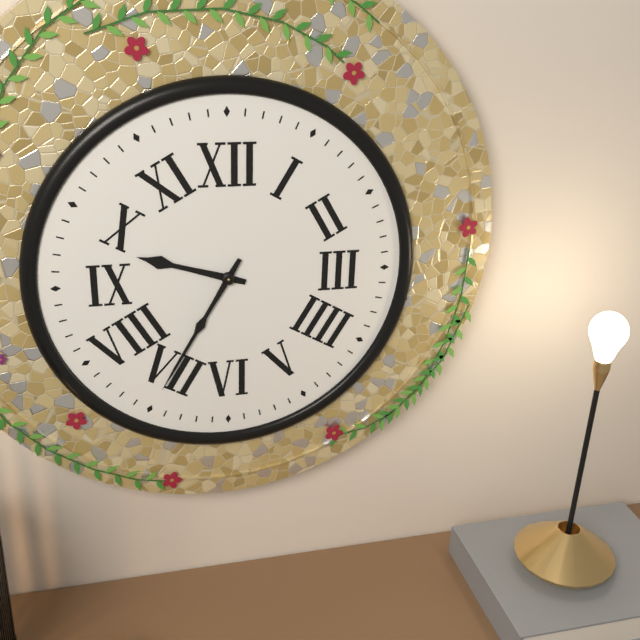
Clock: 9.35
